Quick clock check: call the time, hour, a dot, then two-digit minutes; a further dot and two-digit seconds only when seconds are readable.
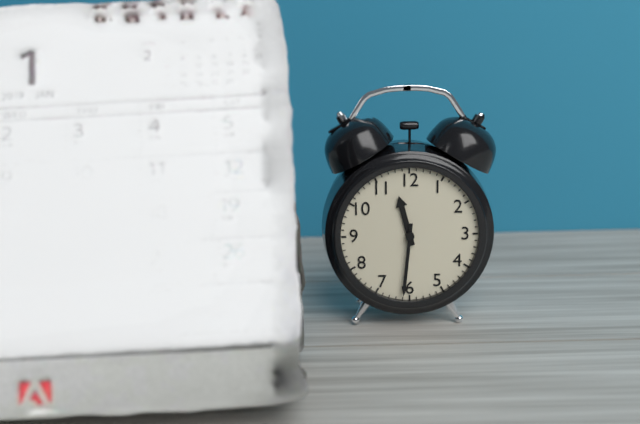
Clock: 11.31
